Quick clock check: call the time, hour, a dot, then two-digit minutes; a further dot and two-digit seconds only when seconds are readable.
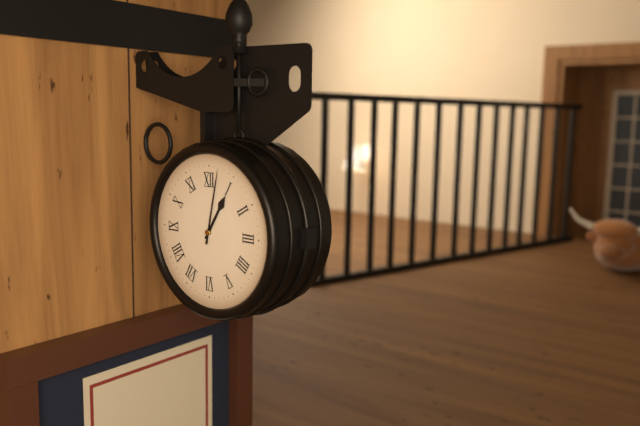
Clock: 1.02
